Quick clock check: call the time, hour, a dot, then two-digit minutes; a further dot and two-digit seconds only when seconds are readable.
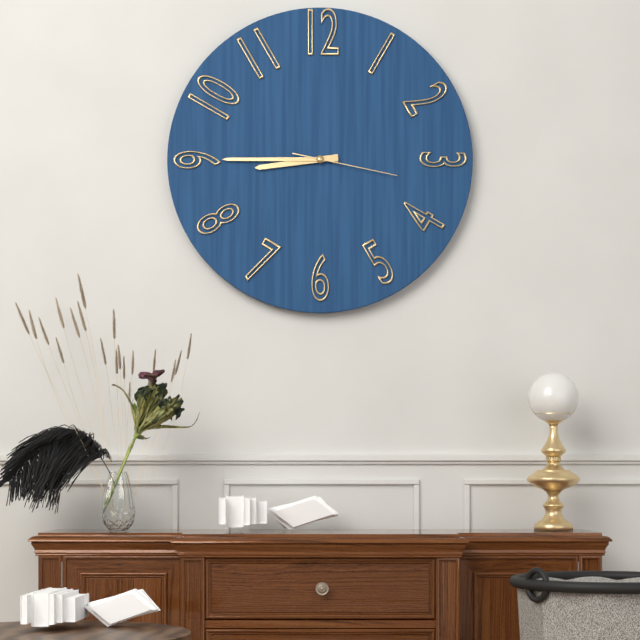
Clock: 8.45.17
